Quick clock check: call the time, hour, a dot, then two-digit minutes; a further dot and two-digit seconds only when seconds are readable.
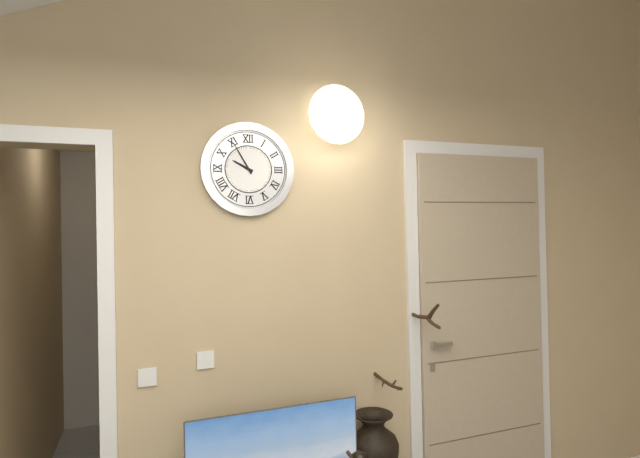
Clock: 9.55
